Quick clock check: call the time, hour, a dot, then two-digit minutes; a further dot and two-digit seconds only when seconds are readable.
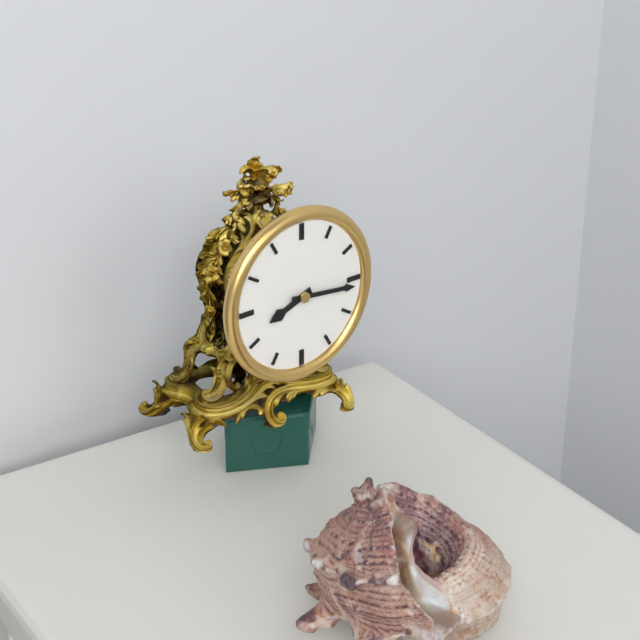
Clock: 8.16
